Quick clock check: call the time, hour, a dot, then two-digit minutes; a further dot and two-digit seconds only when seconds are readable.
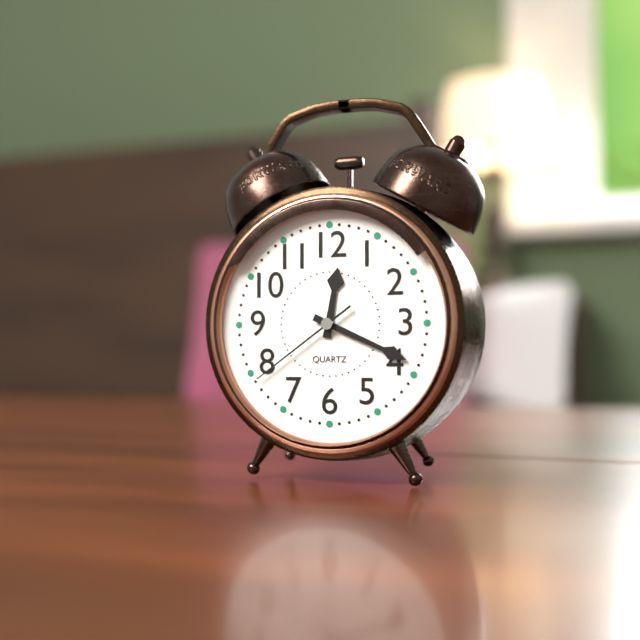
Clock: 12.19.39
